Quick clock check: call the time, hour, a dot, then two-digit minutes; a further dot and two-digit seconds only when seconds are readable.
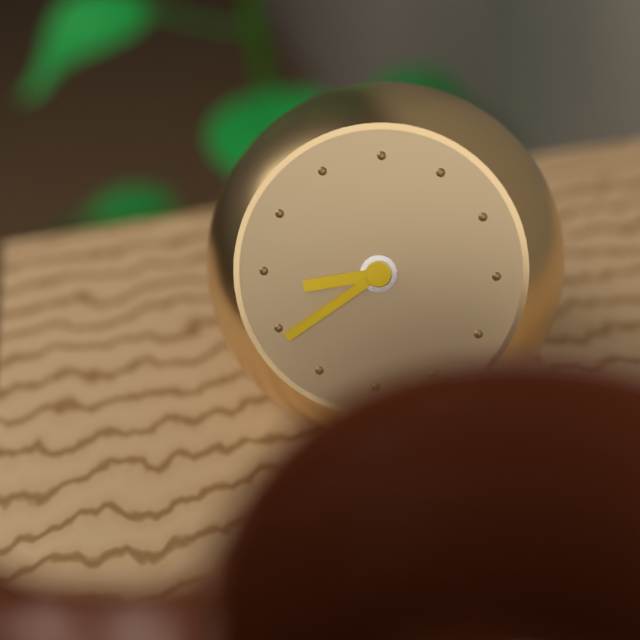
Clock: 8.39
